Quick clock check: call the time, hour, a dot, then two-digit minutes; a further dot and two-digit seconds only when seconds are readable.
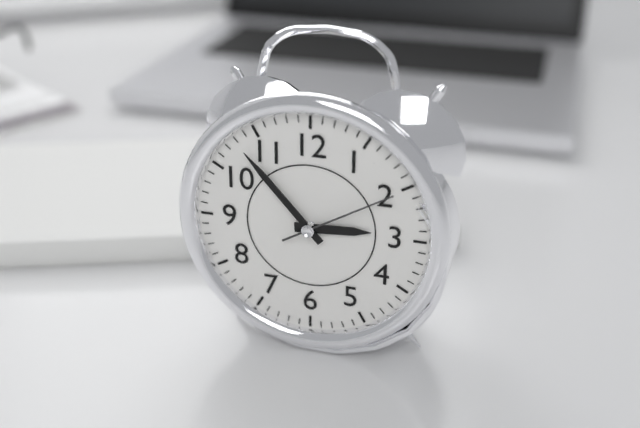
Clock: 2.53.10
